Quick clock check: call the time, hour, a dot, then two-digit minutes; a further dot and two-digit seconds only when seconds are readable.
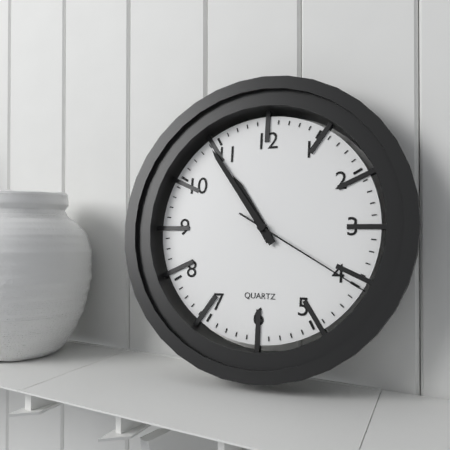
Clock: 10.54.20
